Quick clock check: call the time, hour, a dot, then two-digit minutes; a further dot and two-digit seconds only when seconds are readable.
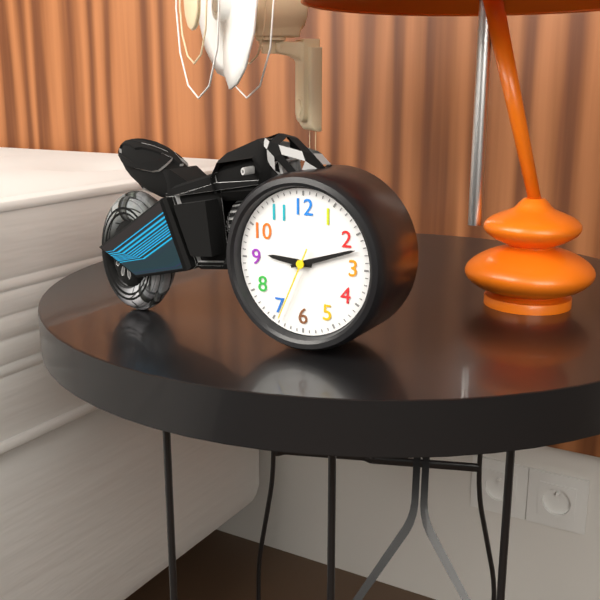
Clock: 9.12.34
